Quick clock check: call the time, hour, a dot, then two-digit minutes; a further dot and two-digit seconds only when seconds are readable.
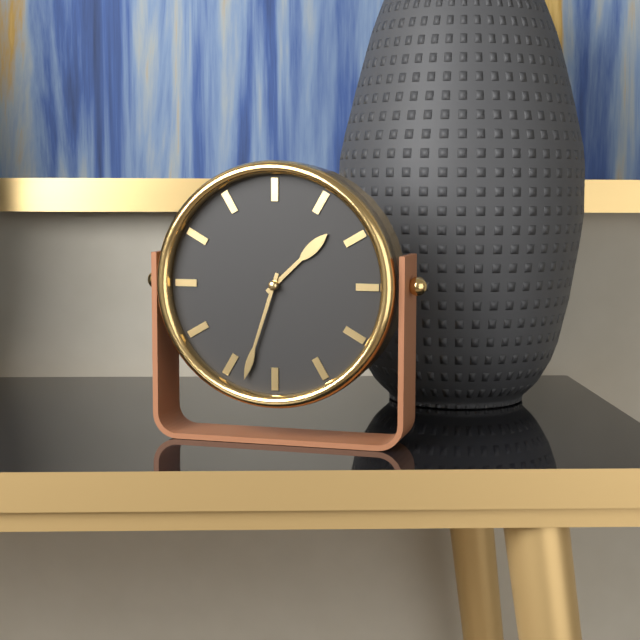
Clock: 1.33
